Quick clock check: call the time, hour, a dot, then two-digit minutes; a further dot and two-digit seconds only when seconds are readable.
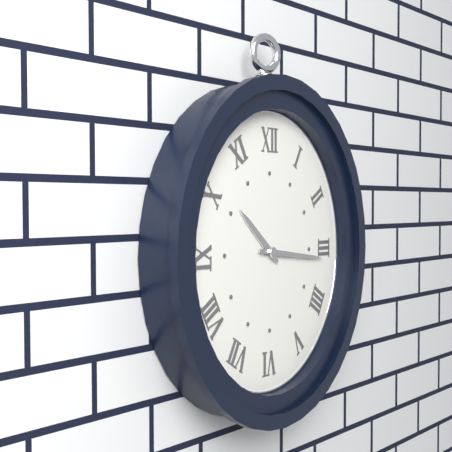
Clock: 10.16
